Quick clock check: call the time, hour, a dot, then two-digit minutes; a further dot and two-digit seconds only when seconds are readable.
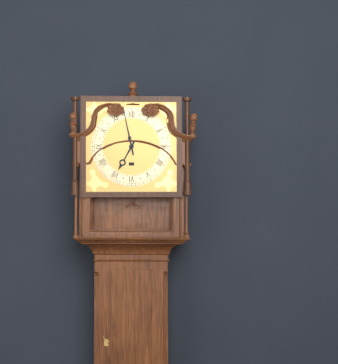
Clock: 6.58
